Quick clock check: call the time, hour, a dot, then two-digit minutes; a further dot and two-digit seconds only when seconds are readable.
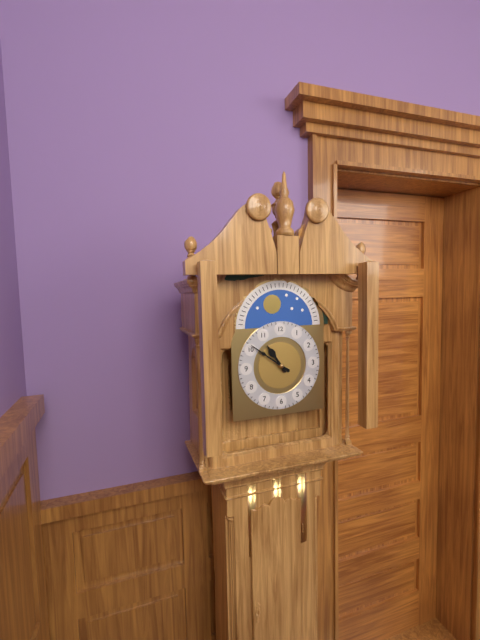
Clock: 10.51
